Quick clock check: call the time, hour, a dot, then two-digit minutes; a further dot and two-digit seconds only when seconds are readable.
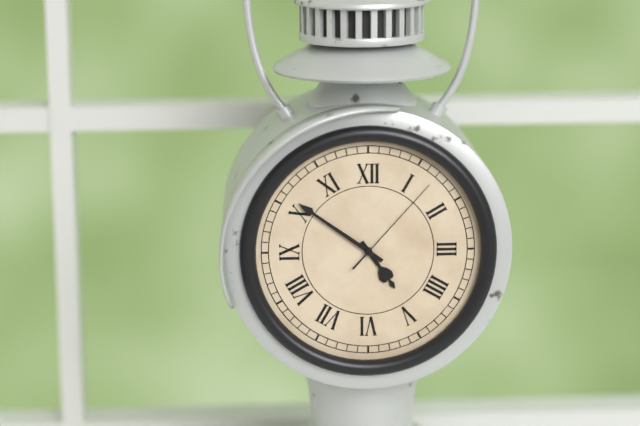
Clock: 4.51.07
